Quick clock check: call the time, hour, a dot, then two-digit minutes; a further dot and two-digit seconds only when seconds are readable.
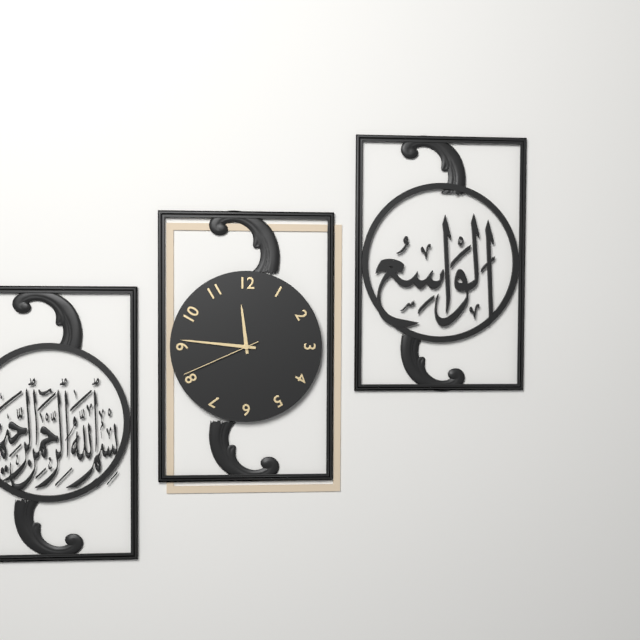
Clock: 11.46.41
